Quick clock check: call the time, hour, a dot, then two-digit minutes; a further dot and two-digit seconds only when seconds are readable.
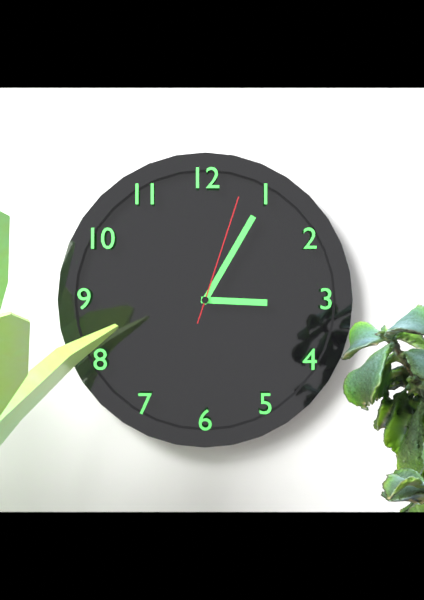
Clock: 3.05.03
